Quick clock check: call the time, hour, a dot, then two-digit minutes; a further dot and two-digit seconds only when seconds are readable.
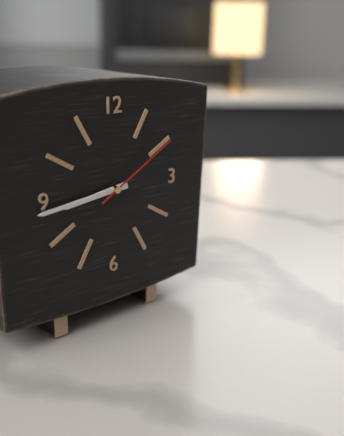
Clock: 8.44.10
